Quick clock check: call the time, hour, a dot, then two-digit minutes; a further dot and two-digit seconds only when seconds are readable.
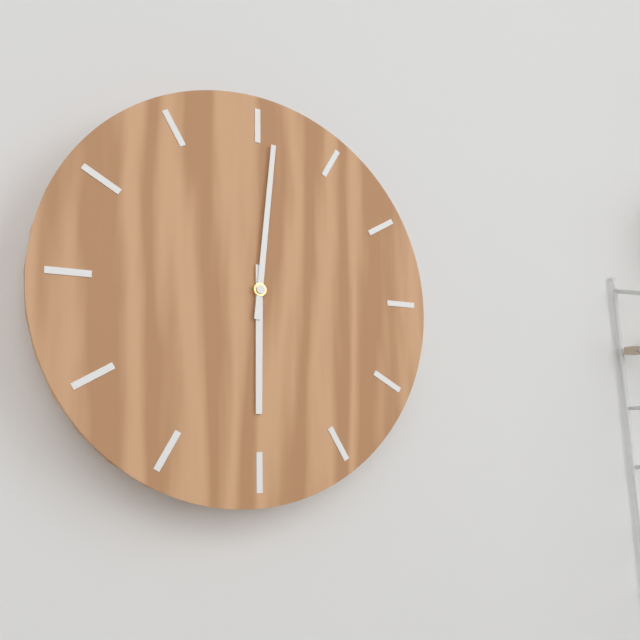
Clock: 6.01
